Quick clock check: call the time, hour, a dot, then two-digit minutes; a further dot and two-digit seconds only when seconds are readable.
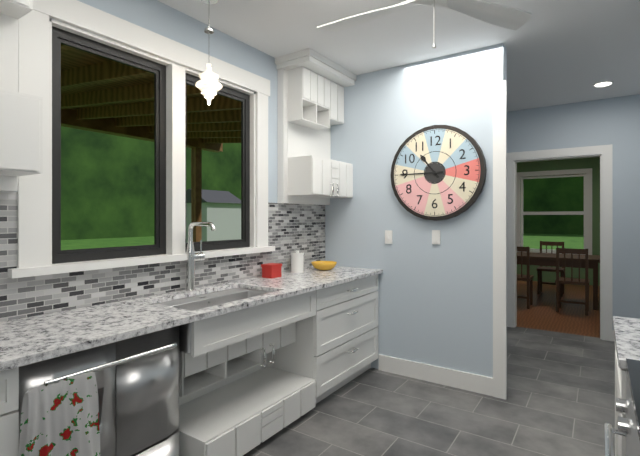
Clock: 10.45
